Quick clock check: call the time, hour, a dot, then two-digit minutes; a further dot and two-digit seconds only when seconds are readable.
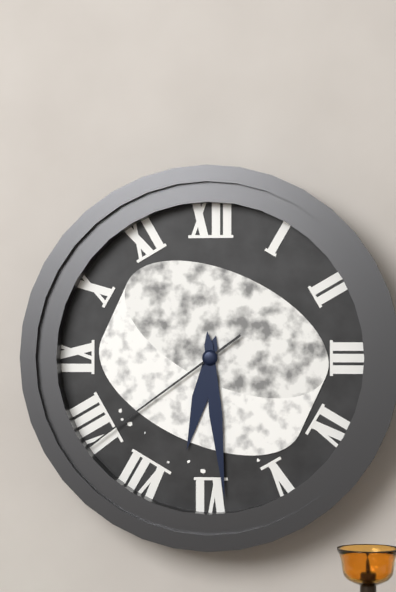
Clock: 6.29.39
